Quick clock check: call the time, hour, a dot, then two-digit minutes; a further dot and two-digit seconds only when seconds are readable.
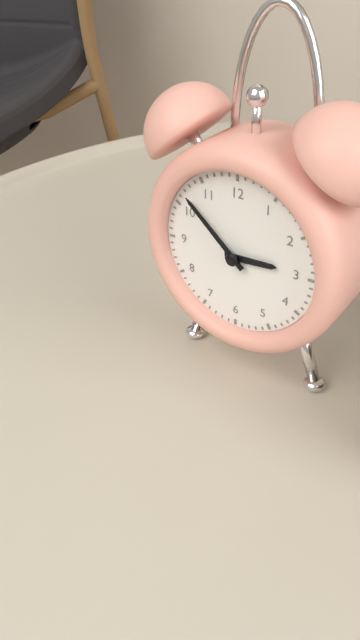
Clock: 2.52
